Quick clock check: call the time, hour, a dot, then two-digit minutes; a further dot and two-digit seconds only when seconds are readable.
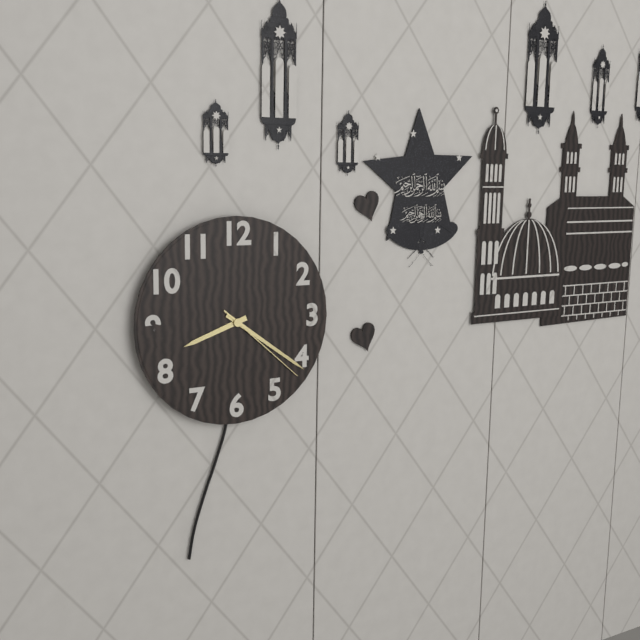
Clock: 8.21.22
